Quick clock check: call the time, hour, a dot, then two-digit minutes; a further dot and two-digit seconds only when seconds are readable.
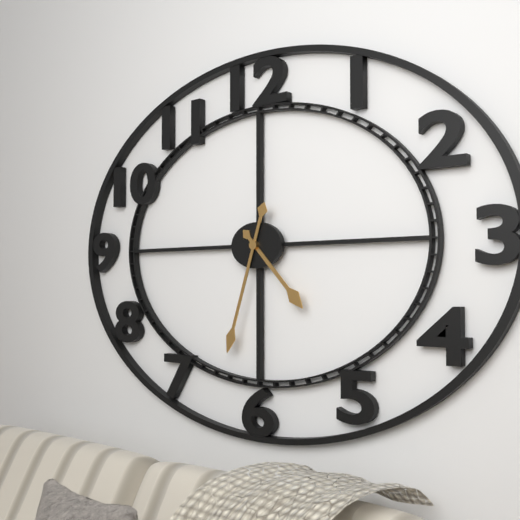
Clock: 4.33
